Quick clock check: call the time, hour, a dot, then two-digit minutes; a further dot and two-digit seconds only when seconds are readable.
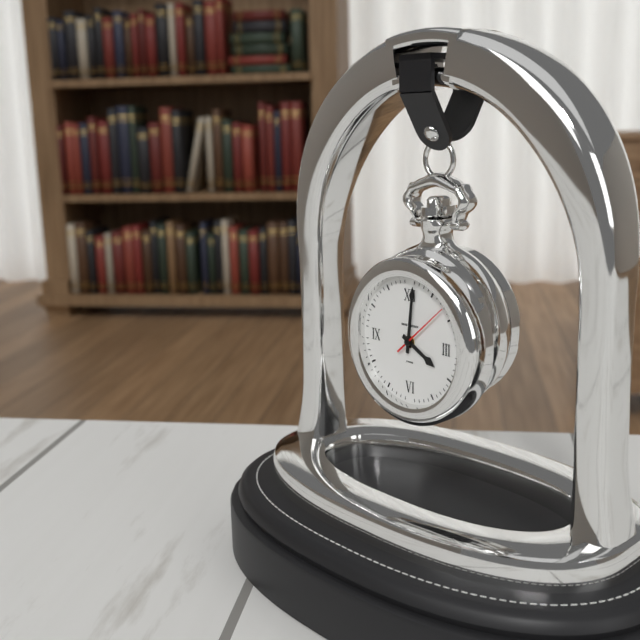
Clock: 4.01.08
